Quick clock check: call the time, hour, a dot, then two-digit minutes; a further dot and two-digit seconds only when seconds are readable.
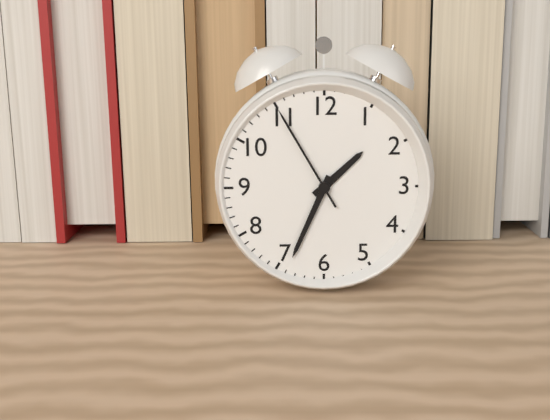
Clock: 1.34.55
